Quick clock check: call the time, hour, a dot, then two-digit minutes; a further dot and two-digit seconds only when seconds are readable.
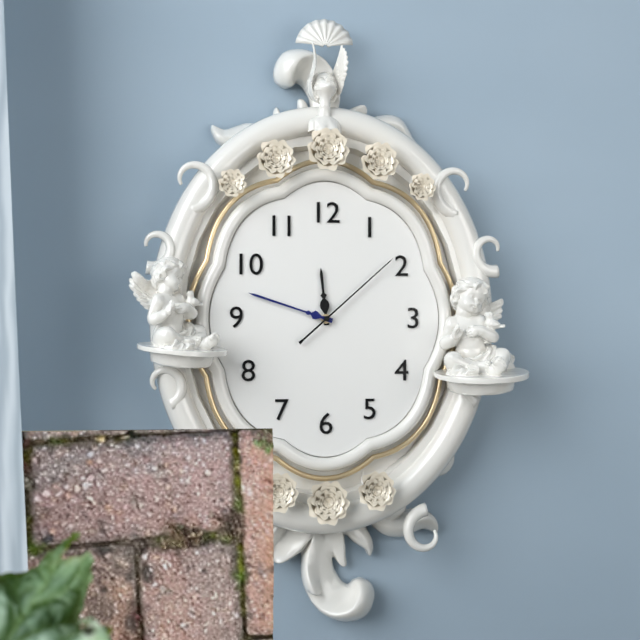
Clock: 11.48.08
